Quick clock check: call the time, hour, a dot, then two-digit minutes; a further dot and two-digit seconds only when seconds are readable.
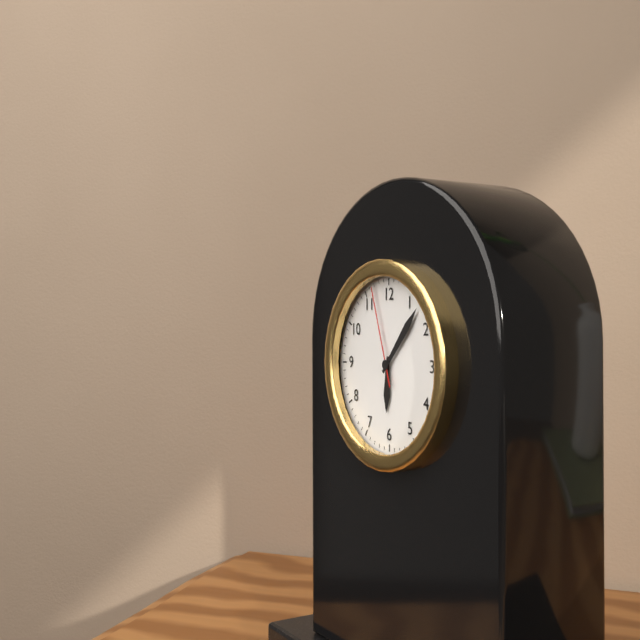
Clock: 6.07.57
